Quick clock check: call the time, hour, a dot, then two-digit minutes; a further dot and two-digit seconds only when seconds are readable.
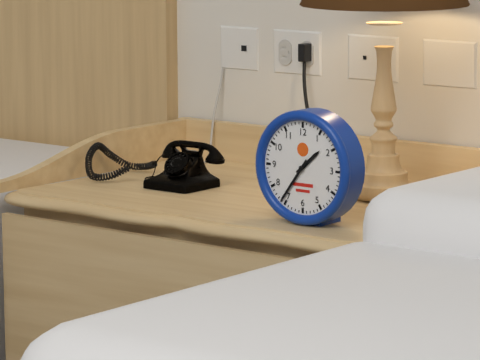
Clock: 1.36
